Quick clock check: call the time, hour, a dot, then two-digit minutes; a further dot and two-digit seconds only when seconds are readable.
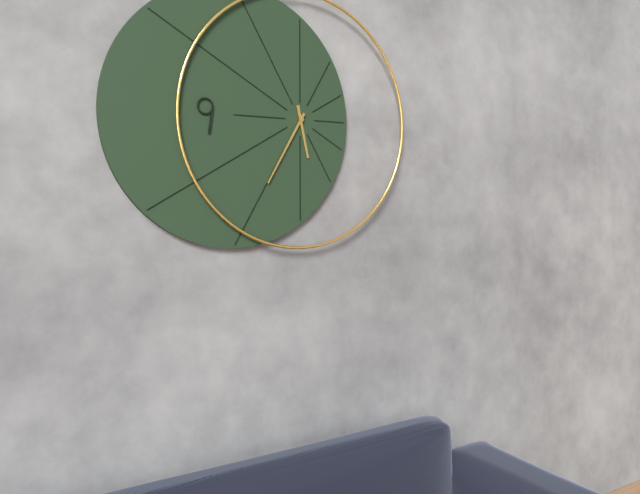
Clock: 5.35
